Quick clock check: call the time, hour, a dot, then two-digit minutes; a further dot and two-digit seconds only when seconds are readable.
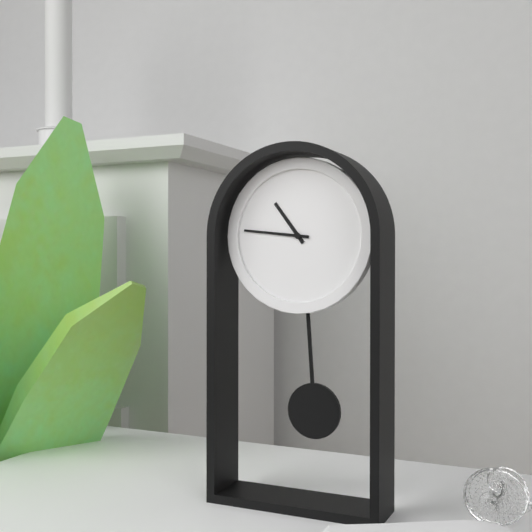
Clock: 10.46
